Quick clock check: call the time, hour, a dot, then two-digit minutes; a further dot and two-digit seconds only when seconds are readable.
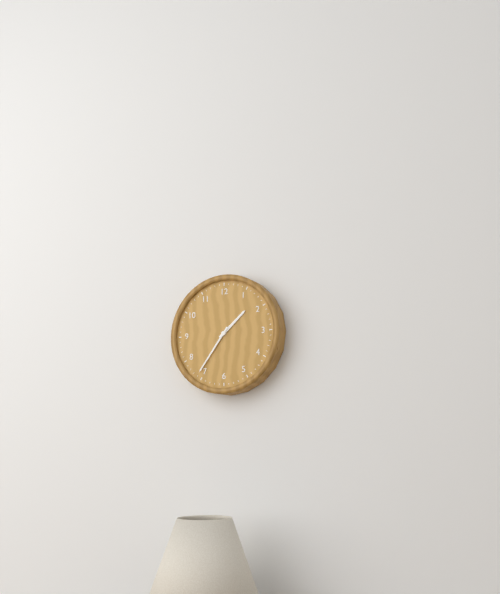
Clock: 1.36
